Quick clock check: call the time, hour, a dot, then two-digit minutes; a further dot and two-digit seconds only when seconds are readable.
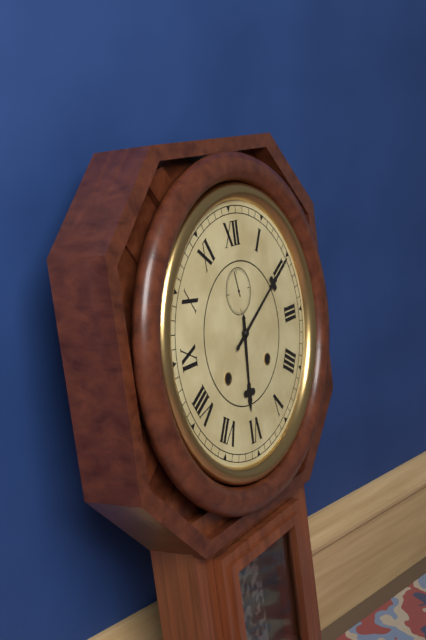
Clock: 6.10
